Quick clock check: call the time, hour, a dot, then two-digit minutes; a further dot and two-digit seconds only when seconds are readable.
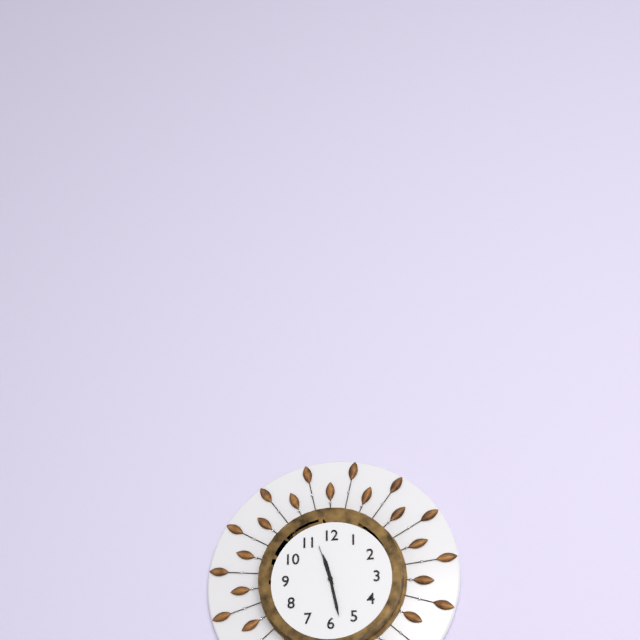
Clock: 11.28
